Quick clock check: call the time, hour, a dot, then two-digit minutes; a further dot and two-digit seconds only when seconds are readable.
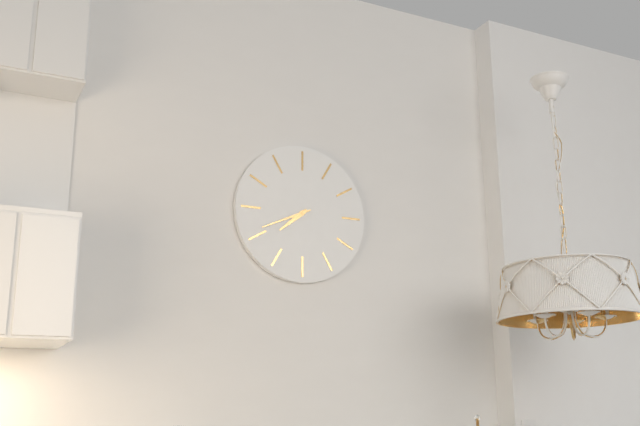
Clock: 7.41
